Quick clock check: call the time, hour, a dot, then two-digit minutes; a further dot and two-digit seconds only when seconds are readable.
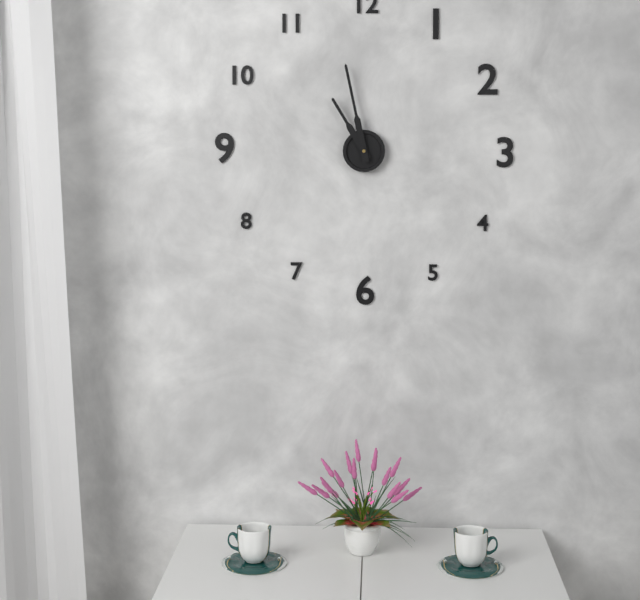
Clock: 10.58
